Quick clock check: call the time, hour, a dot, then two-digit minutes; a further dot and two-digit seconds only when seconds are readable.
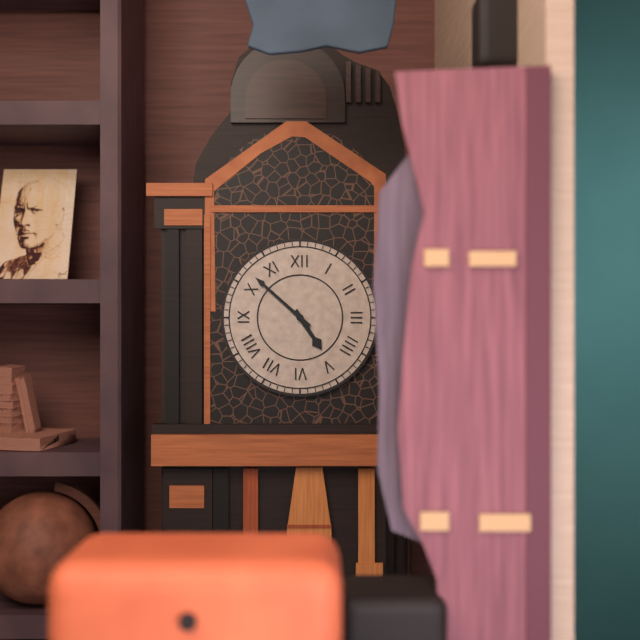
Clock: 4.52
